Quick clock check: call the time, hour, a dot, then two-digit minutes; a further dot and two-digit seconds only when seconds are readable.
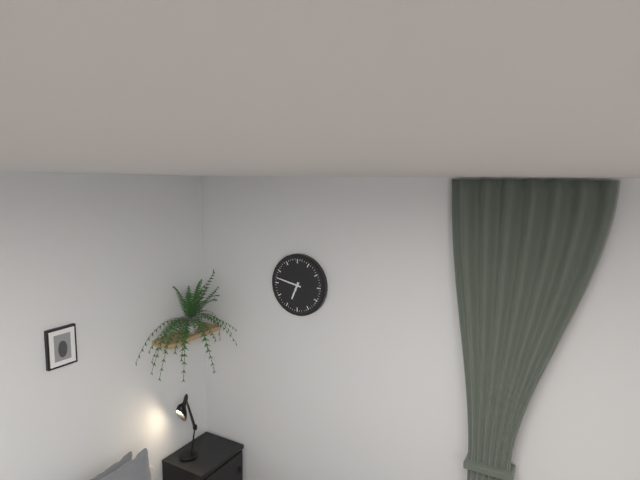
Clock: 6.47
